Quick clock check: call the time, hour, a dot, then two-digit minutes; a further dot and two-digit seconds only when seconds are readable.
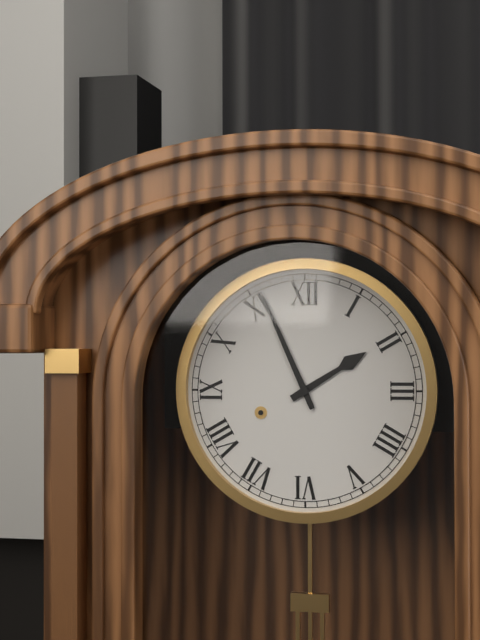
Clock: 1.56
